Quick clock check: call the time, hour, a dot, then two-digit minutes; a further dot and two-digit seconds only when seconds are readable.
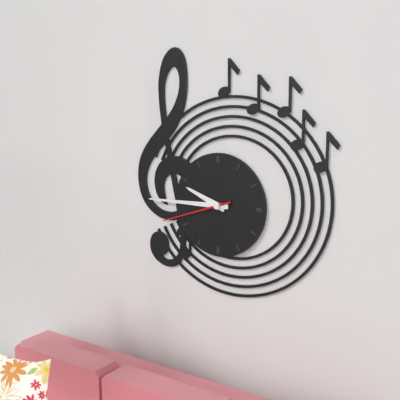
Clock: 9.45.42
